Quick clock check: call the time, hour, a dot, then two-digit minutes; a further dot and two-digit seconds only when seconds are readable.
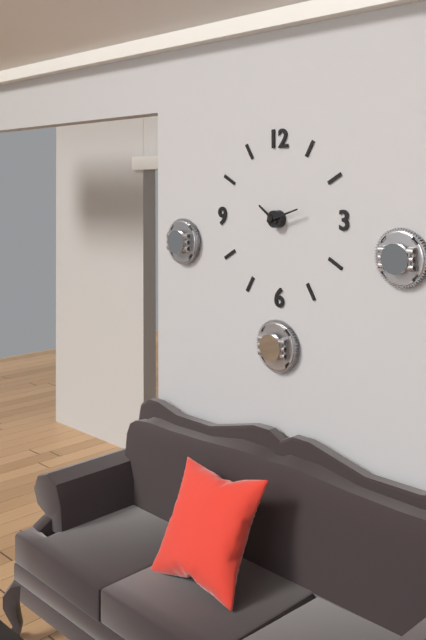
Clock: 10.12
